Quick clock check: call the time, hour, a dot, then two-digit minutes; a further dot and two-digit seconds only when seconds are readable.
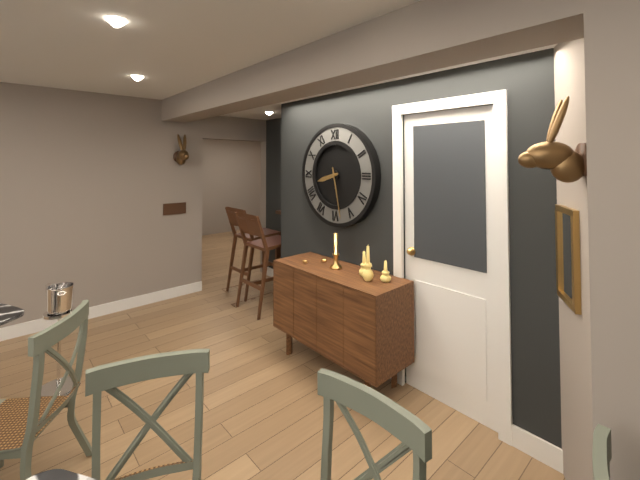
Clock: 8.28
